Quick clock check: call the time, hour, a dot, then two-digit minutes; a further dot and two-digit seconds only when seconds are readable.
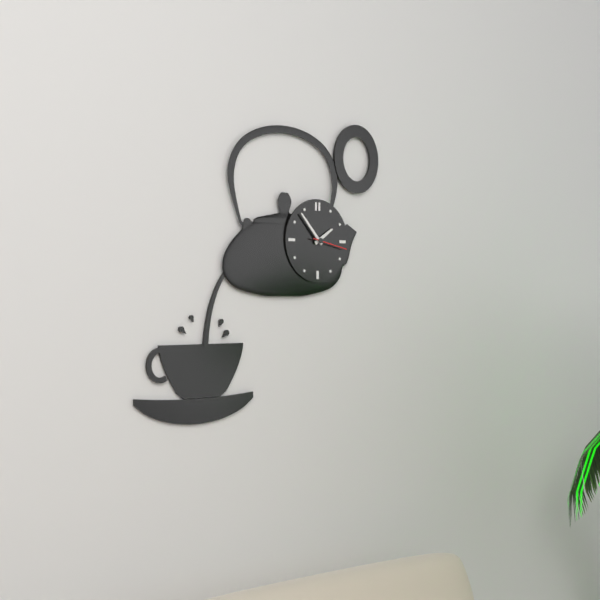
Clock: 1.53
